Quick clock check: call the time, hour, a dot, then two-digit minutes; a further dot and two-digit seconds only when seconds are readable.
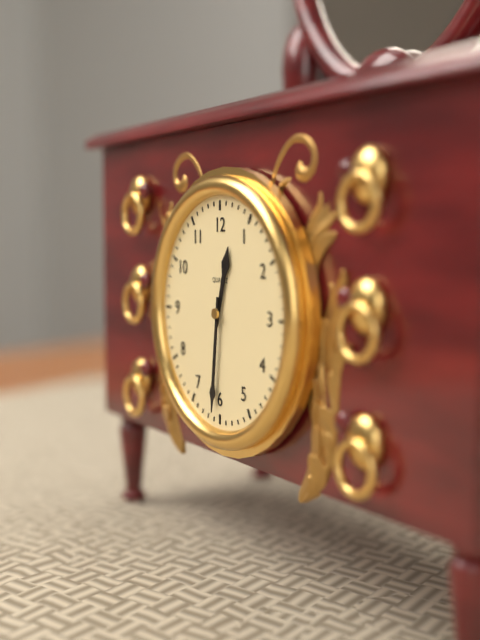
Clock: 12.31
